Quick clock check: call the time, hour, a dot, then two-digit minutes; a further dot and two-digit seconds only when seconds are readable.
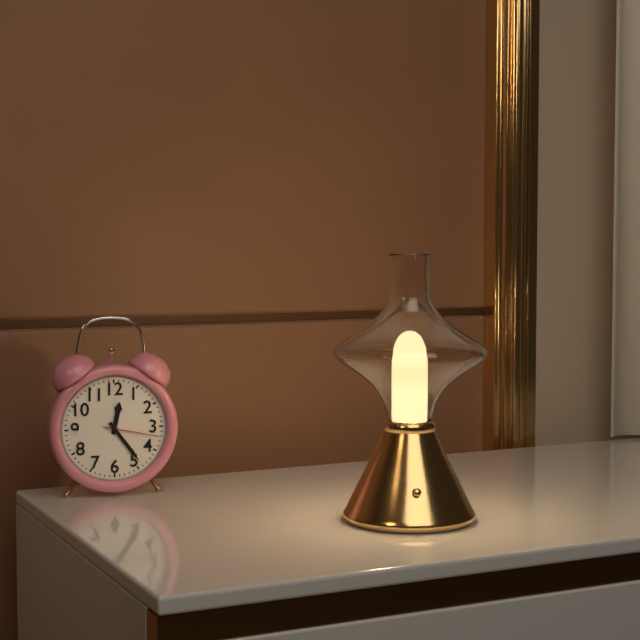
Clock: 12.24.17
